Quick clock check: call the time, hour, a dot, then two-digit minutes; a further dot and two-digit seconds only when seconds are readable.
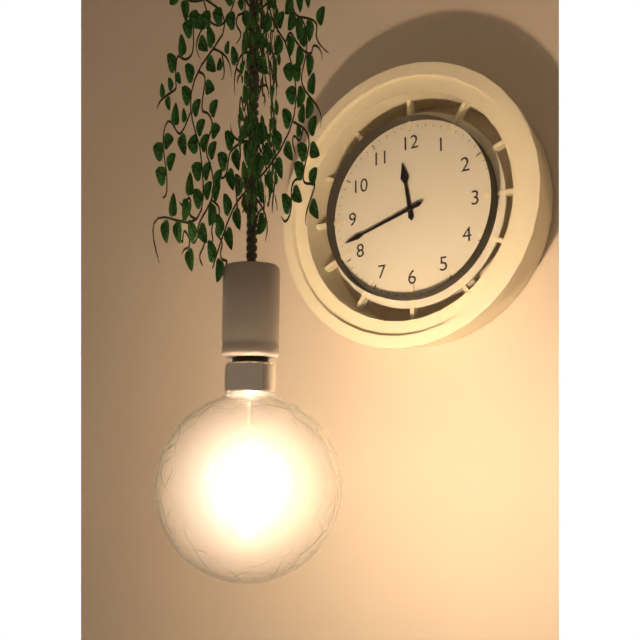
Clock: 11.42
